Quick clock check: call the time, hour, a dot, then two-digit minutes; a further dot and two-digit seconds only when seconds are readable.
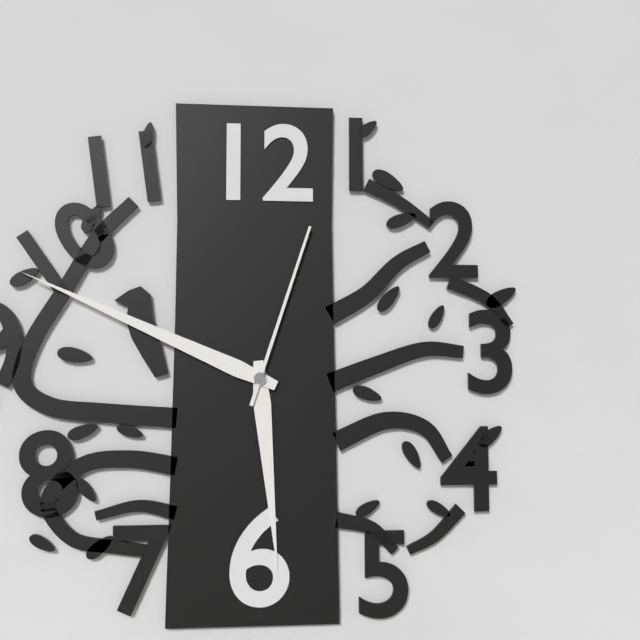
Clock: 5.49.03
